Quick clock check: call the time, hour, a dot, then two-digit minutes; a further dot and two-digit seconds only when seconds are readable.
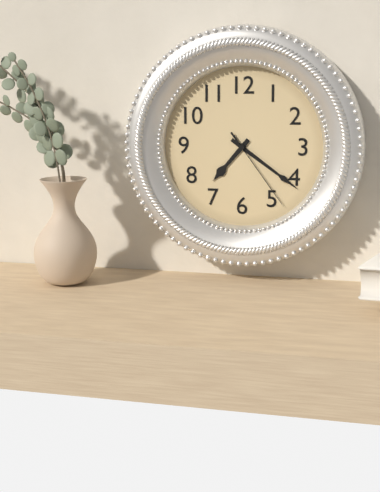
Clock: 7.21.24
